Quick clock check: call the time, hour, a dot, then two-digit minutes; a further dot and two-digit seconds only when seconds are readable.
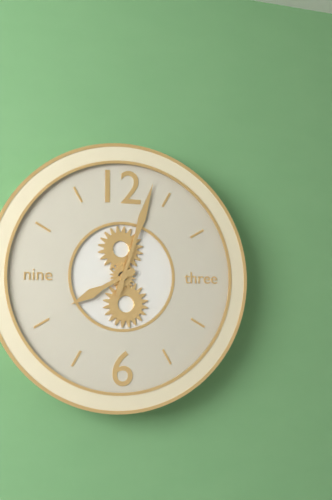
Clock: 8.03
